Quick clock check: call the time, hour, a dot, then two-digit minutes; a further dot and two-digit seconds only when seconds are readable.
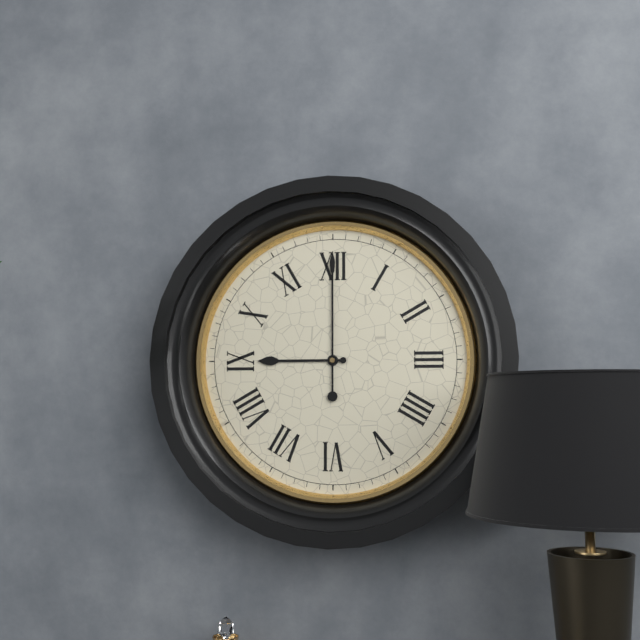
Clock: 9.00
